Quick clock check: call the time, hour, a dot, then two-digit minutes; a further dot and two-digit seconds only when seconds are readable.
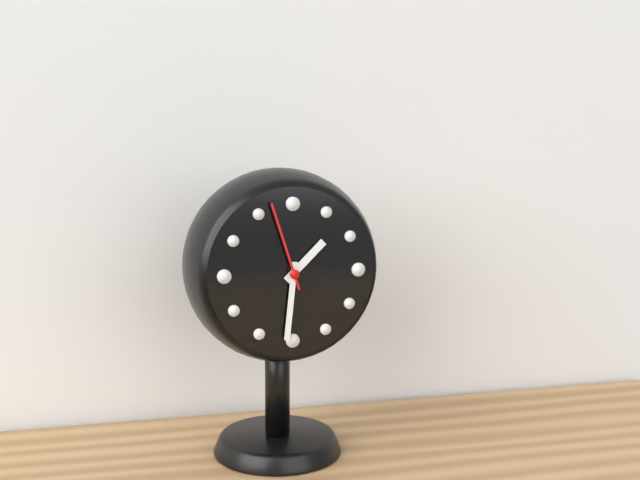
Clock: 1.31.57
